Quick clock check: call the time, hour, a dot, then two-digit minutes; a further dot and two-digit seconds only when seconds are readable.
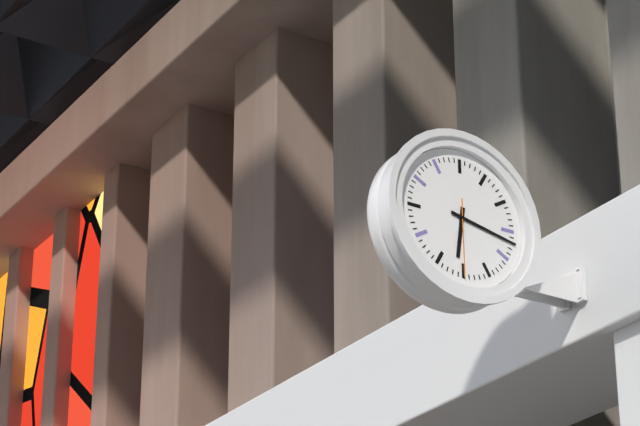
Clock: 6.17.30
